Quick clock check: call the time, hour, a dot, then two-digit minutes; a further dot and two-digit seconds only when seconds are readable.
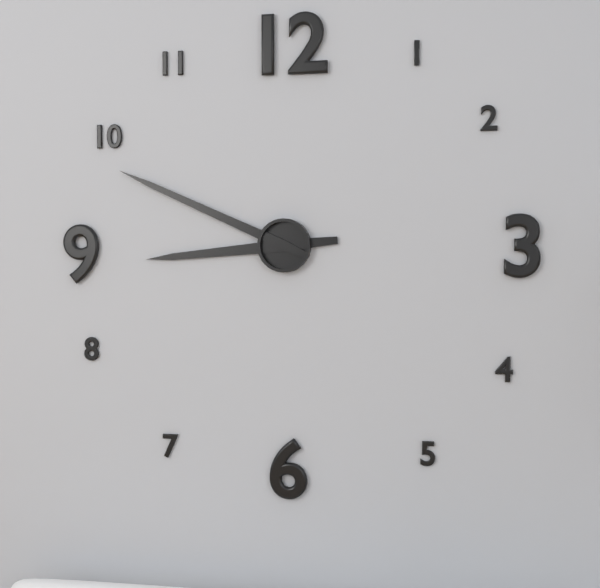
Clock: 8.49
